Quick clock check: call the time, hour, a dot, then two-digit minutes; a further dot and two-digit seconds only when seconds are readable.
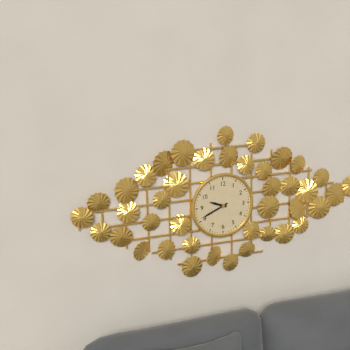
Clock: 9.41
